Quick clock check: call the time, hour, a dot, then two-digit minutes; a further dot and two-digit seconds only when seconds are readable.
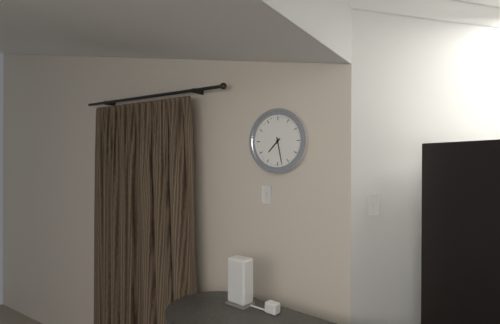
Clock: 7.28
